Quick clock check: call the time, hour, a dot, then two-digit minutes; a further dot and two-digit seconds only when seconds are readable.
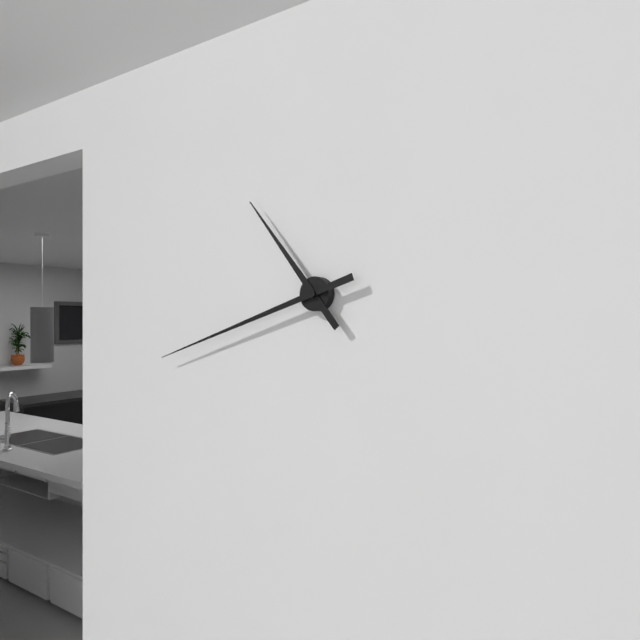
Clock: 10.42
